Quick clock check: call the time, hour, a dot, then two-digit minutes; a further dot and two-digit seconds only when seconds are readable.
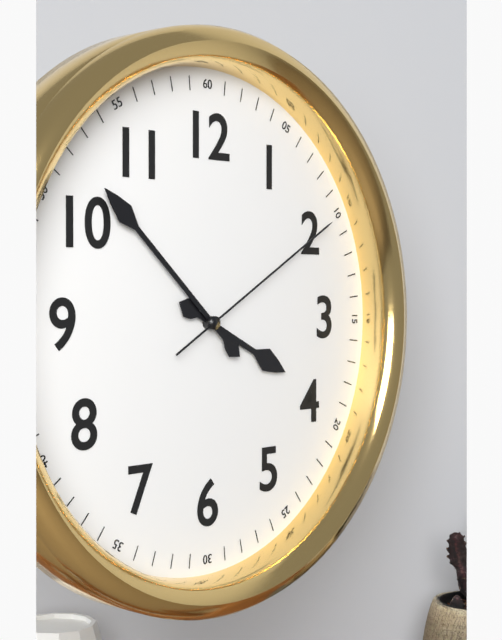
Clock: 3.52.10
